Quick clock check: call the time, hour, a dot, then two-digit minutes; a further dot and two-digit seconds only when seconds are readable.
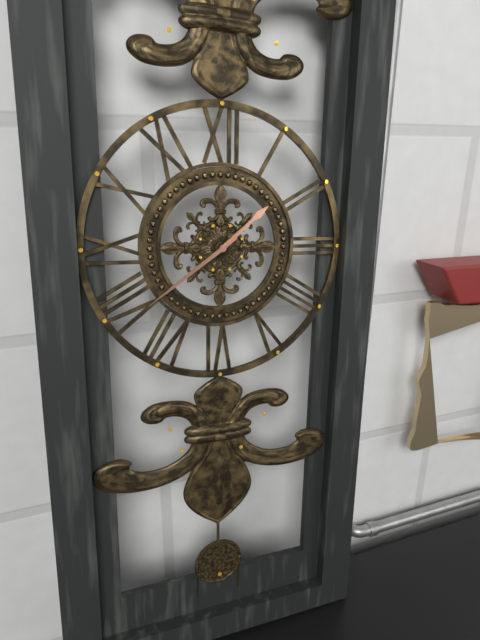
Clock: 1.39
